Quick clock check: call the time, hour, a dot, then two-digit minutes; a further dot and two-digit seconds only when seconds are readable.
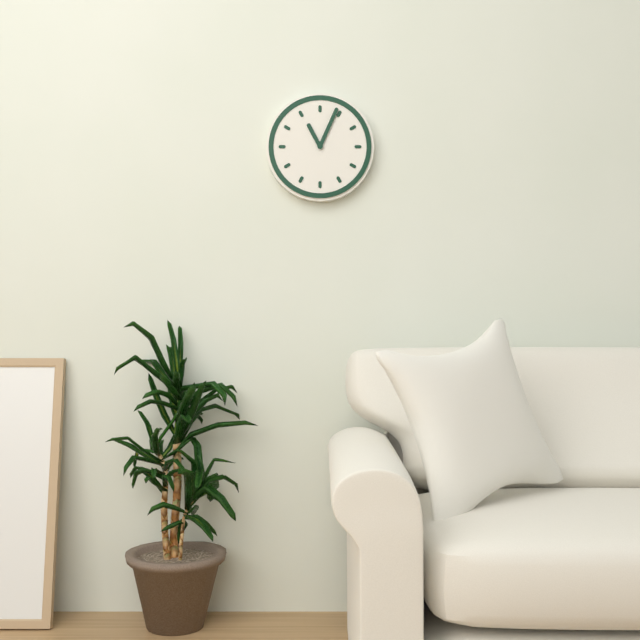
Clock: 11.04
